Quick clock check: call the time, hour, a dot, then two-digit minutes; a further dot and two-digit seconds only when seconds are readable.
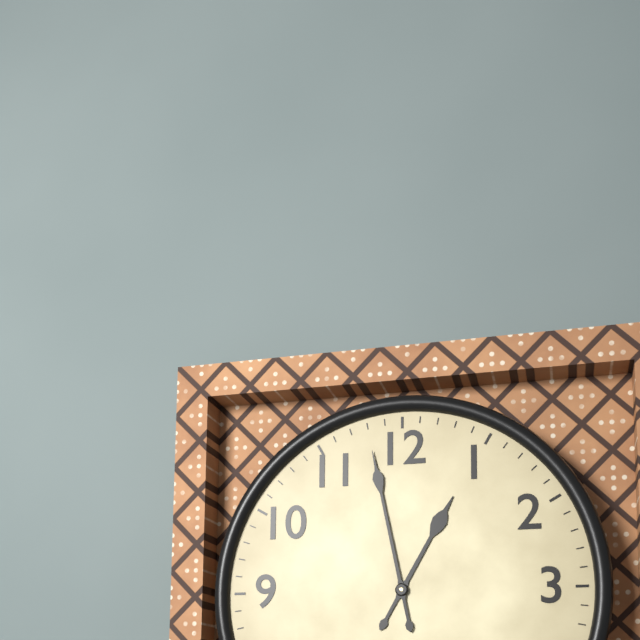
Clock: 12.58
